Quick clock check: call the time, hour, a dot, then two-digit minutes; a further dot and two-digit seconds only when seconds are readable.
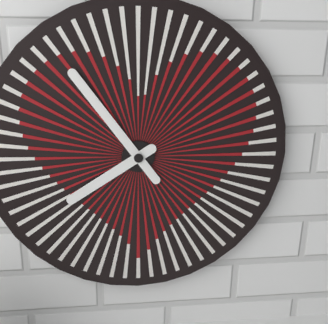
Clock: 7.54
